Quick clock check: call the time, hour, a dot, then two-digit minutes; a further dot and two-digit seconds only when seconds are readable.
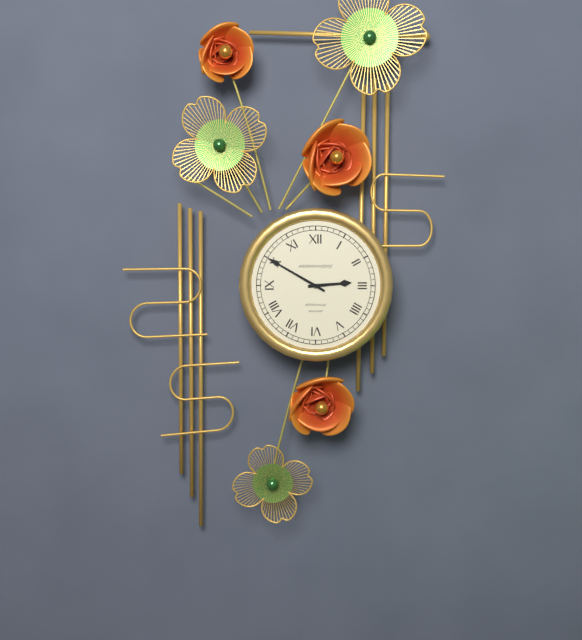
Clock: 2.50
